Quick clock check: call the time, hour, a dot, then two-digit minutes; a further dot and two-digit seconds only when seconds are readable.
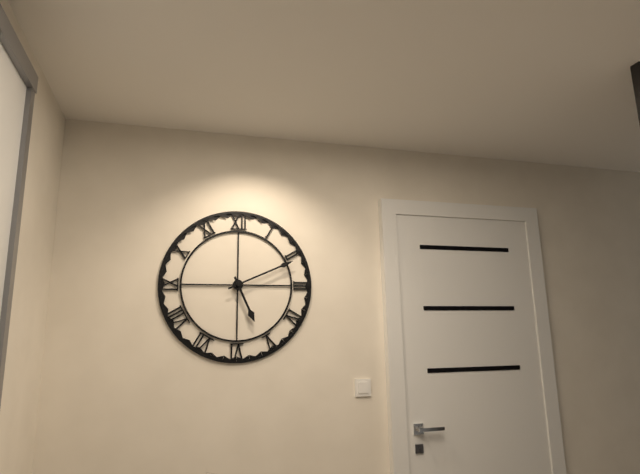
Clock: 5.11
